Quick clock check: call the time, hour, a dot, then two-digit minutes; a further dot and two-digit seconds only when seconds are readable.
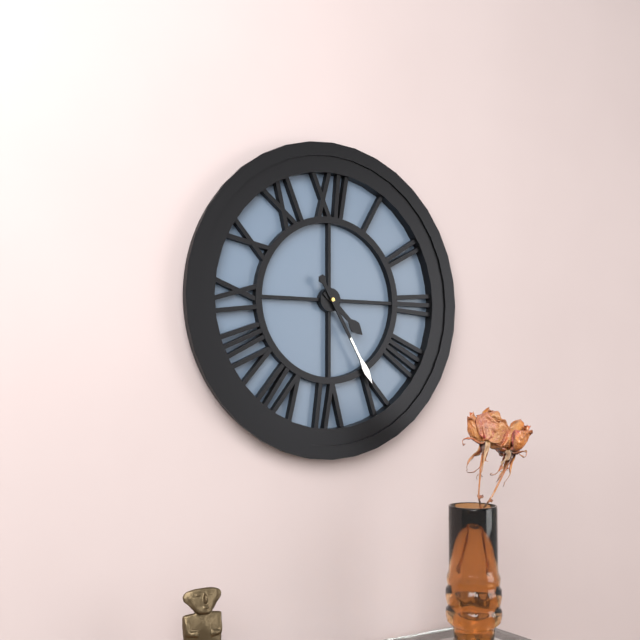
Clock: 4.25
